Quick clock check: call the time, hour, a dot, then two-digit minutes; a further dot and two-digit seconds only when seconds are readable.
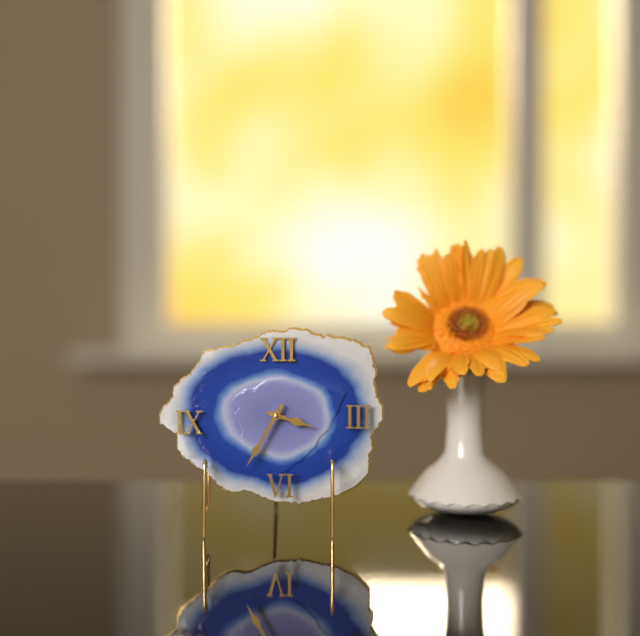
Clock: 3.35
